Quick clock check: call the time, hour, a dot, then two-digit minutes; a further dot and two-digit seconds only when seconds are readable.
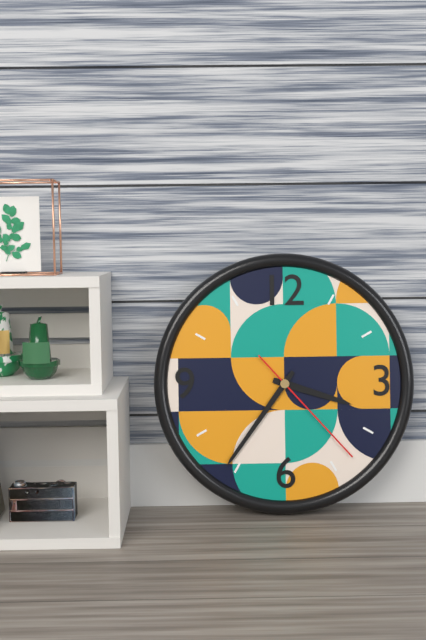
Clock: 3.36.23
